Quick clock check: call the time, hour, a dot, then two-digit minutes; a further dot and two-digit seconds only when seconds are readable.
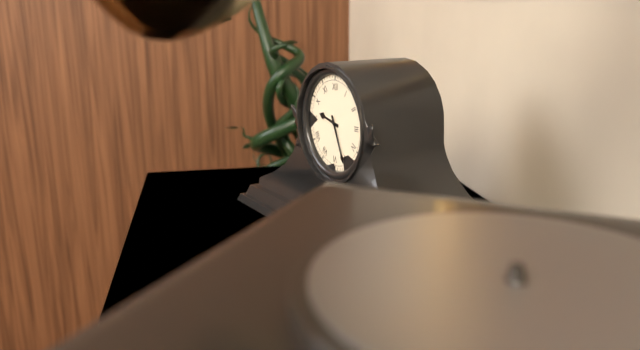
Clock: 9.26
